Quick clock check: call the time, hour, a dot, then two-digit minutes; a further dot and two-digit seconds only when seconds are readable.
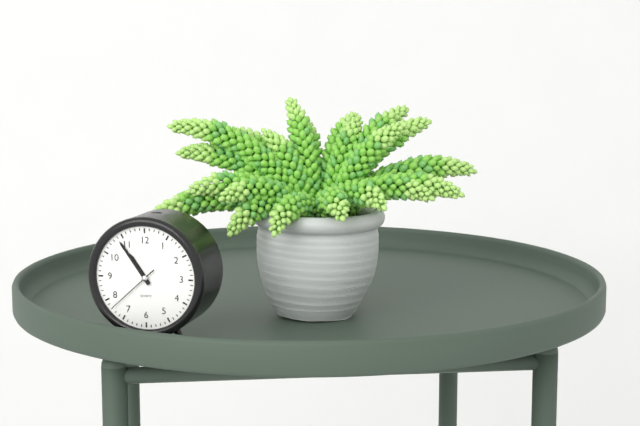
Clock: 10.54.38
